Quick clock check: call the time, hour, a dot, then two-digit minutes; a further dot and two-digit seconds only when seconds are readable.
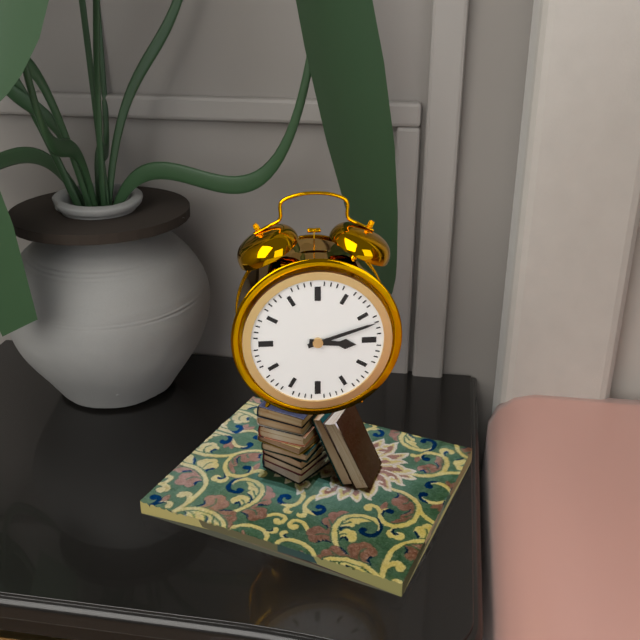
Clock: 3.12
